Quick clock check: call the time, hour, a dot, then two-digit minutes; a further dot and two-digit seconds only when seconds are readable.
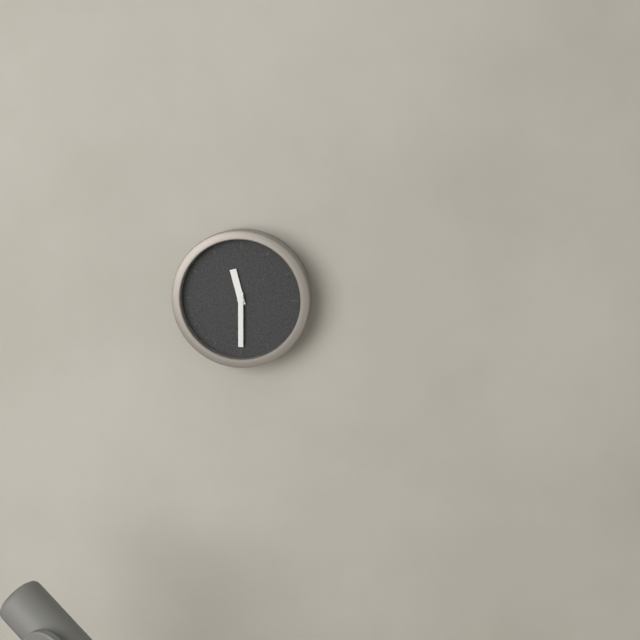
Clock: 11.30
